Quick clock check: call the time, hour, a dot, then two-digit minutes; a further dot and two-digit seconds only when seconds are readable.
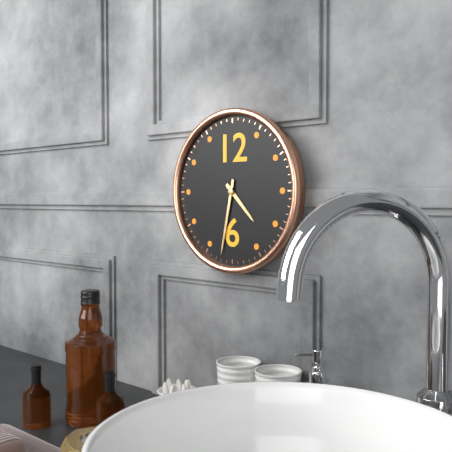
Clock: 4.32
